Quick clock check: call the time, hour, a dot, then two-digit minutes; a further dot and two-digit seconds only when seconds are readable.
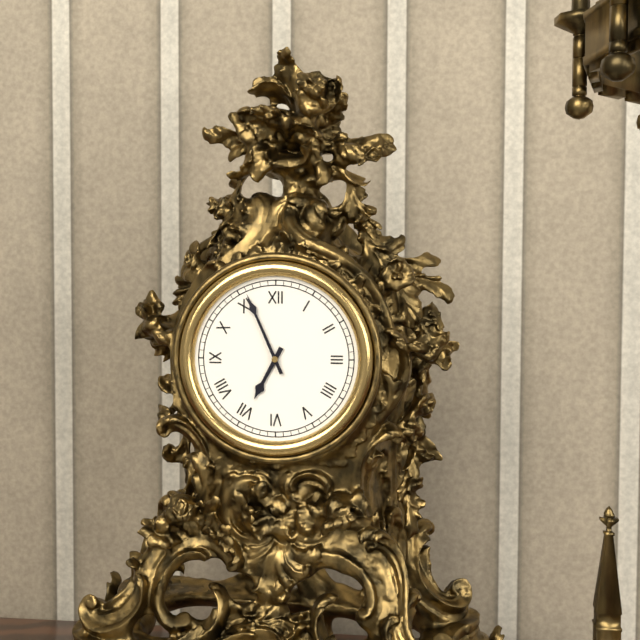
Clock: 6.56
